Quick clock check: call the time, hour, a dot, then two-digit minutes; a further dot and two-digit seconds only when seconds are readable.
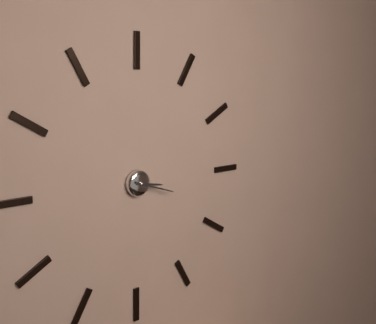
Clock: 3.18
